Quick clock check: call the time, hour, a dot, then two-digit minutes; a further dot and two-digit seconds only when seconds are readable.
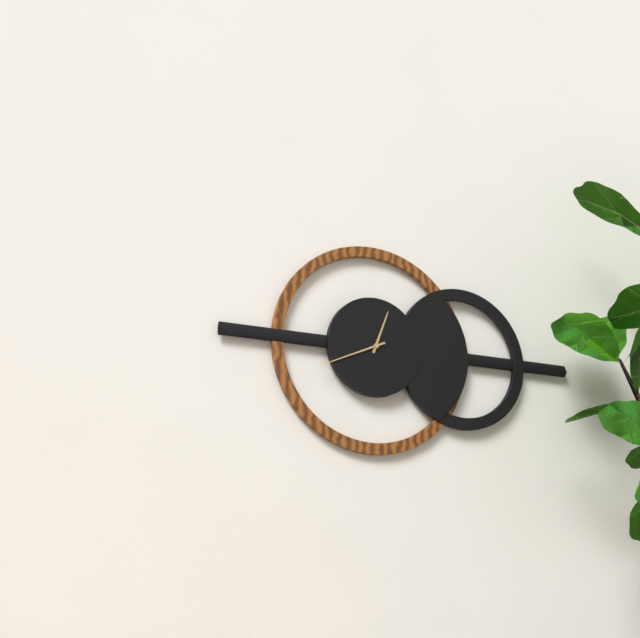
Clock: 12.41
